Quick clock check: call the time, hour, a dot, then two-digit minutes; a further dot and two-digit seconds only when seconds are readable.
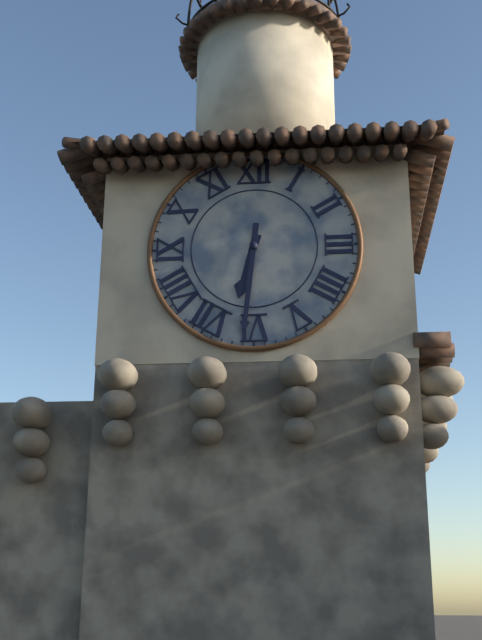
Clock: 6.31
